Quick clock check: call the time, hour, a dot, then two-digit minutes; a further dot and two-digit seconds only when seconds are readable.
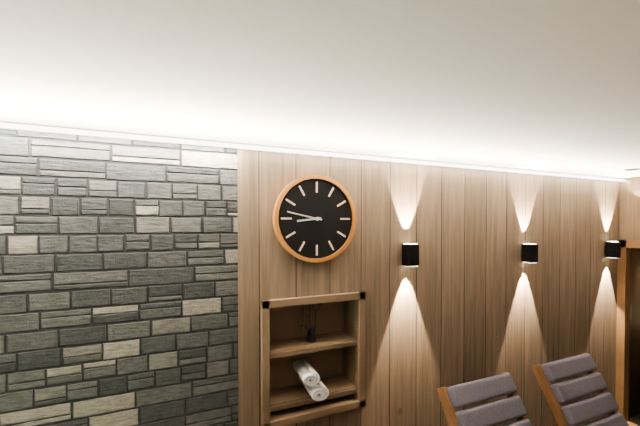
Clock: 8.47
